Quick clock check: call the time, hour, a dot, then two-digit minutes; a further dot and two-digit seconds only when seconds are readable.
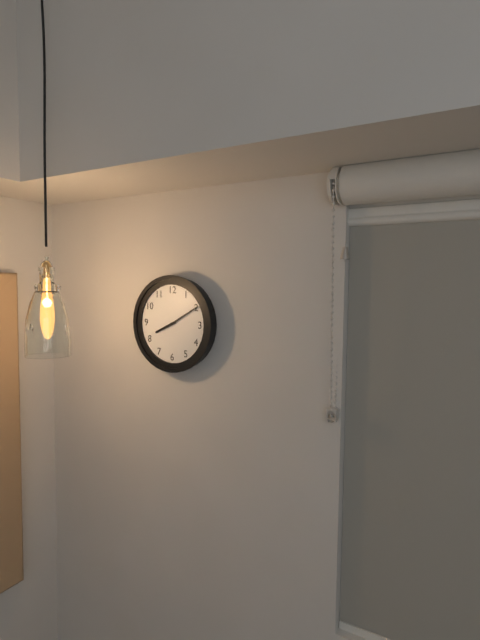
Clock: 8.10
